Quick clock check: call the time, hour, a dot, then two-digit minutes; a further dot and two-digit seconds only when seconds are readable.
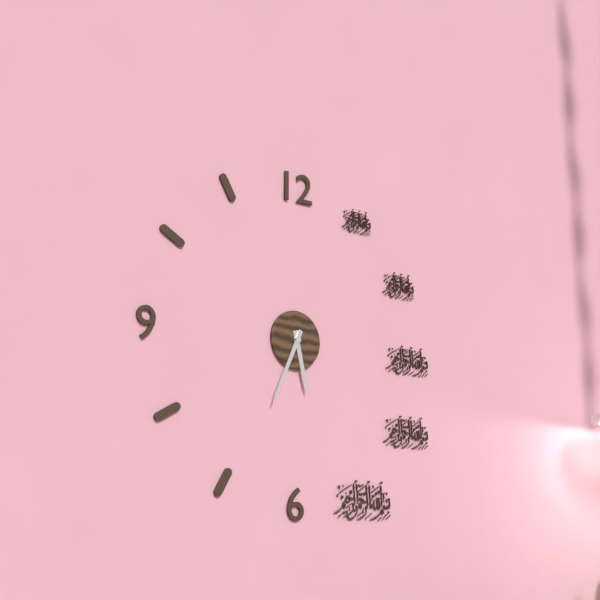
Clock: 5.34
